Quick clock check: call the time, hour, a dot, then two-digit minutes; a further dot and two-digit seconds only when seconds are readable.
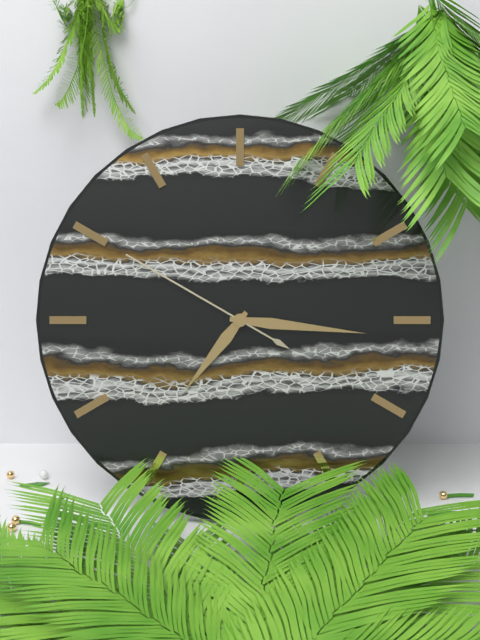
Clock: 7.16.50
